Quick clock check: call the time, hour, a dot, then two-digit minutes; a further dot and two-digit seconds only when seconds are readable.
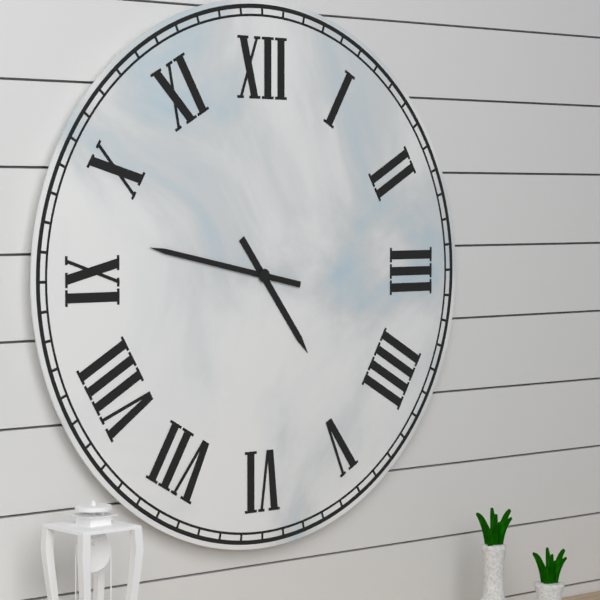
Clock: 4.47
